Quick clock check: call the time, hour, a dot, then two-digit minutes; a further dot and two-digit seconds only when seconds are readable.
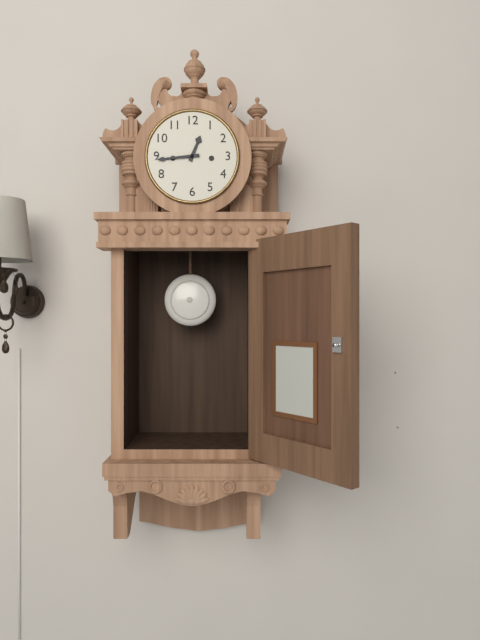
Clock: 12.44
